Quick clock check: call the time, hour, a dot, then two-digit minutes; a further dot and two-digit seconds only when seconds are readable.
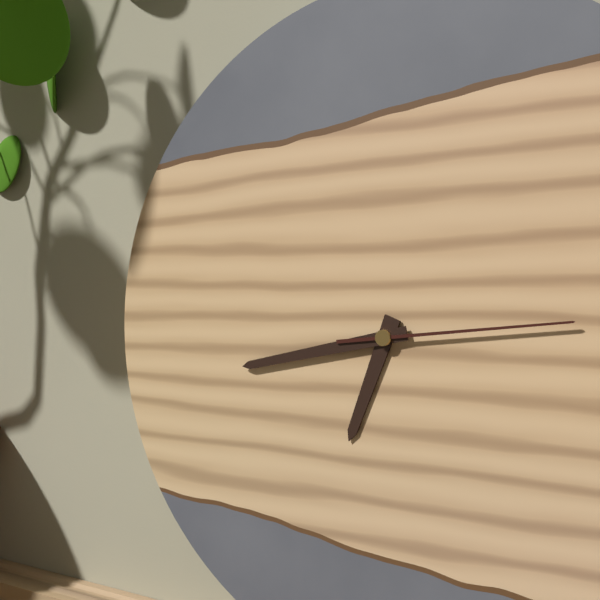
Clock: 6.43.14
